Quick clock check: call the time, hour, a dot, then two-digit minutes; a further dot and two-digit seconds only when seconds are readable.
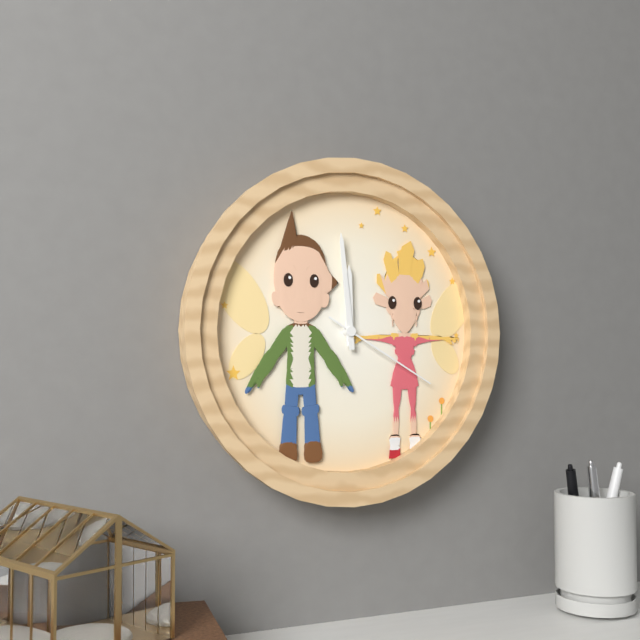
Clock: 11.59.20
